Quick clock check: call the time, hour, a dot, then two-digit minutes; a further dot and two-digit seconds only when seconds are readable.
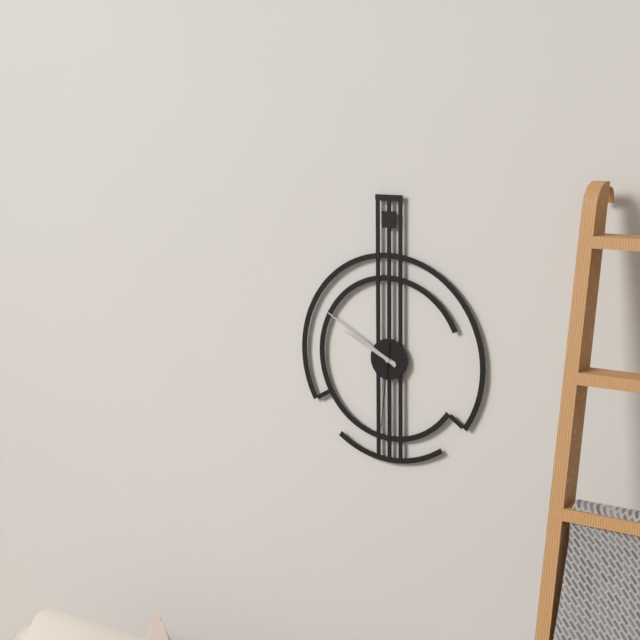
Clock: 9.50.31
